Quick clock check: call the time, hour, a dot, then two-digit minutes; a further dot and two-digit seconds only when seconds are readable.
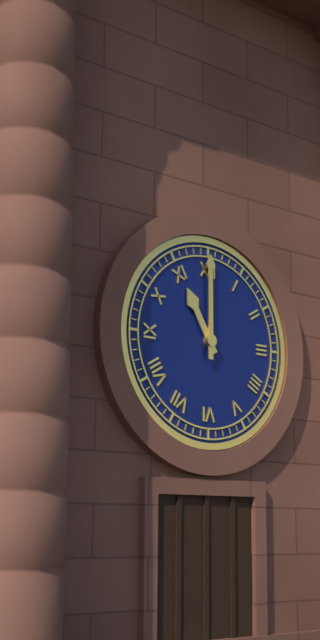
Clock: 11.00
